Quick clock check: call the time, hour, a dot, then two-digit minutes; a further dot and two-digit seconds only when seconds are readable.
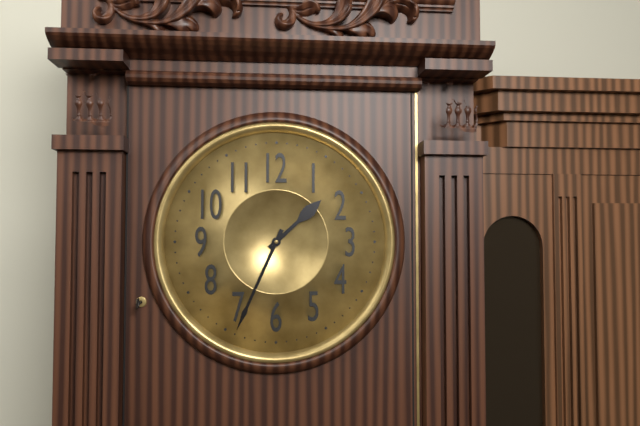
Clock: 1.34
